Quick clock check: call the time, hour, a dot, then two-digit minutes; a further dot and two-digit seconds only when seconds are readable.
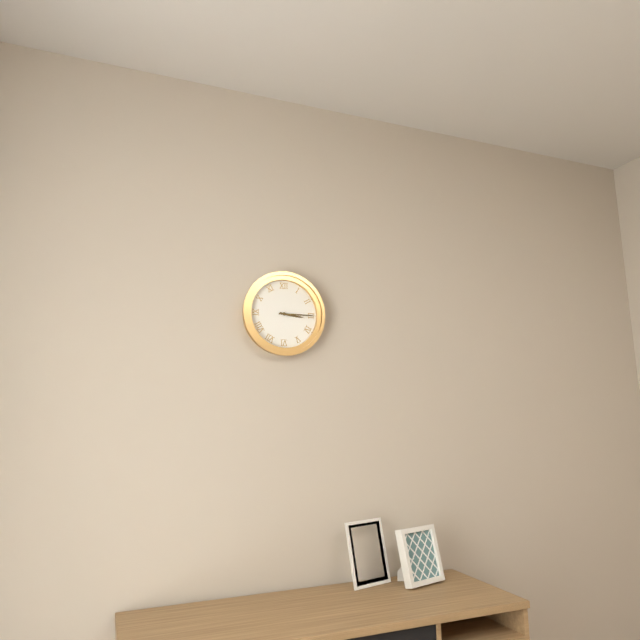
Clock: 3.15
